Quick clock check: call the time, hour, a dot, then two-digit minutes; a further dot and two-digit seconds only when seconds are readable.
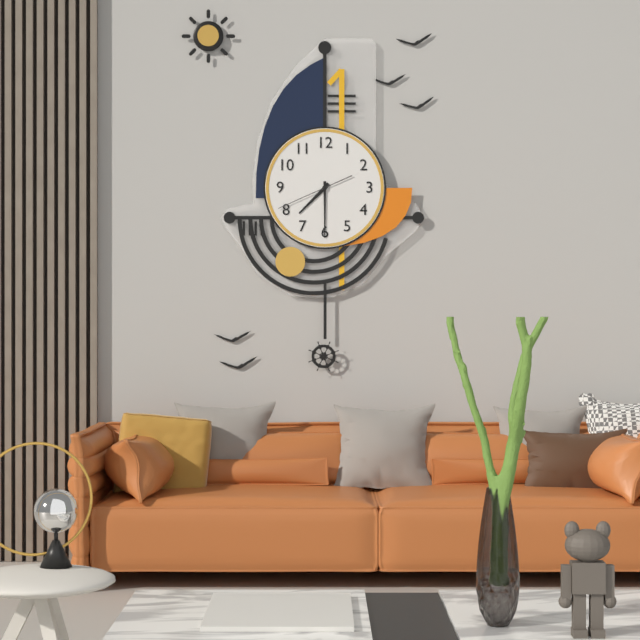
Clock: 7.30.41
